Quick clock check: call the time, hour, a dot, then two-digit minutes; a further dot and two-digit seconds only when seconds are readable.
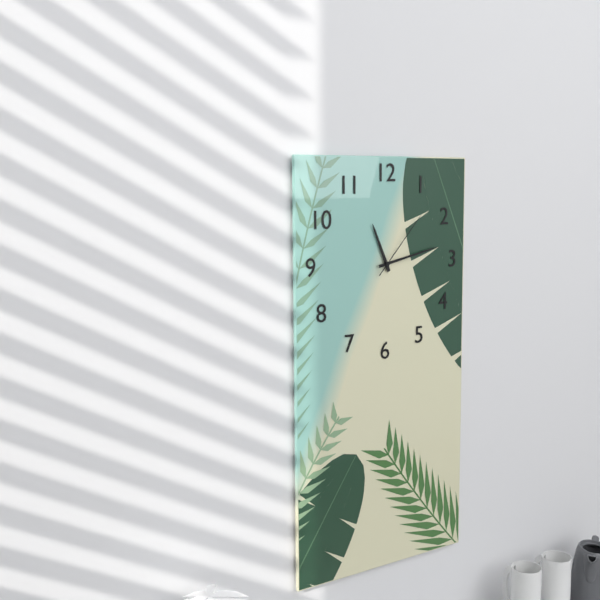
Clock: 11.13.07
